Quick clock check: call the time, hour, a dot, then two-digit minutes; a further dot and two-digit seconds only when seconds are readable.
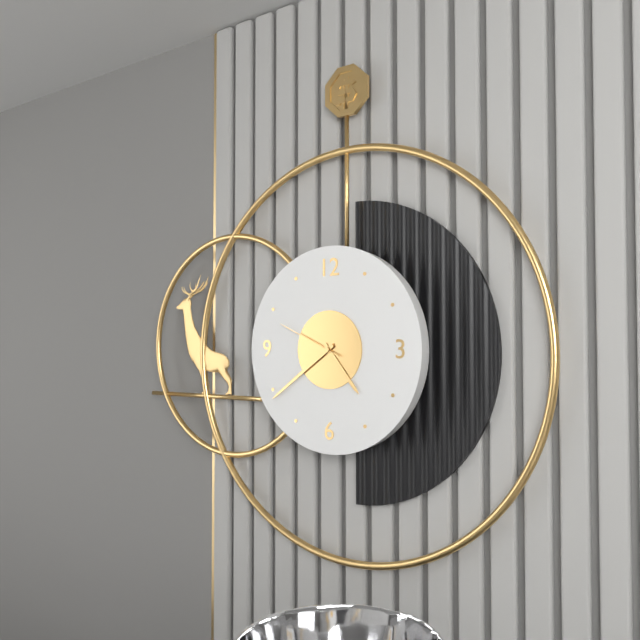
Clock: 4.39.49
